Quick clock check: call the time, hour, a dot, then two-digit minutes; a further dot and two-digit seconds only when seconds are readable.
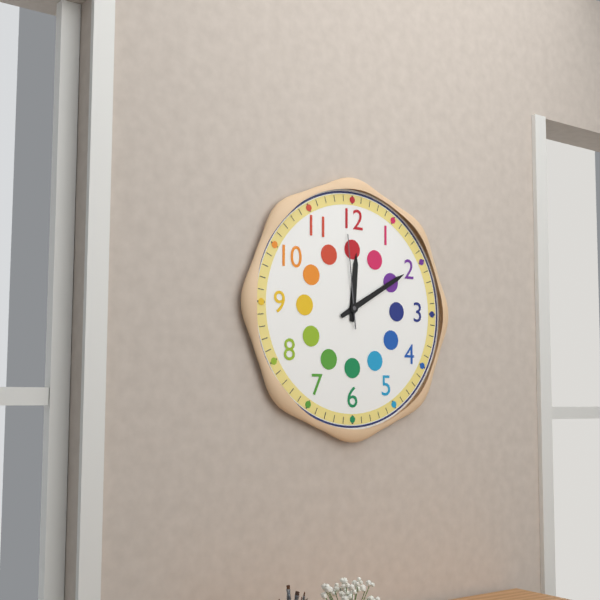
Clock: 12.10.59
